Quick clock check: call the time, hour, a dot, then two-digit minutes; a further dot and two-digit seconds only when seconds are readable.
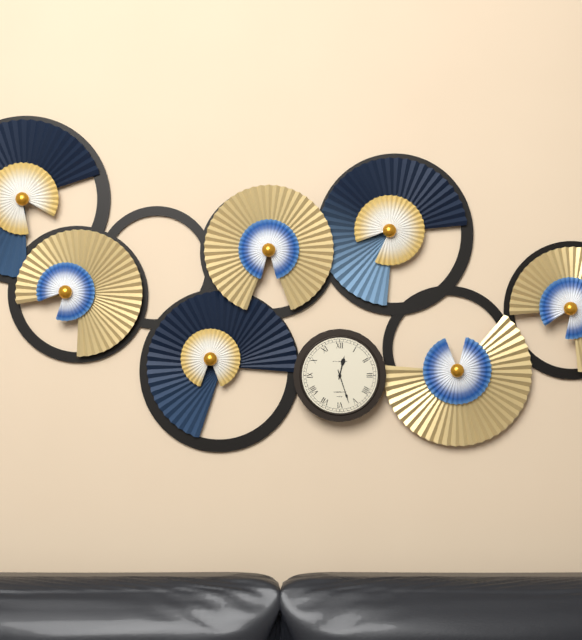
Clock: 12.27
